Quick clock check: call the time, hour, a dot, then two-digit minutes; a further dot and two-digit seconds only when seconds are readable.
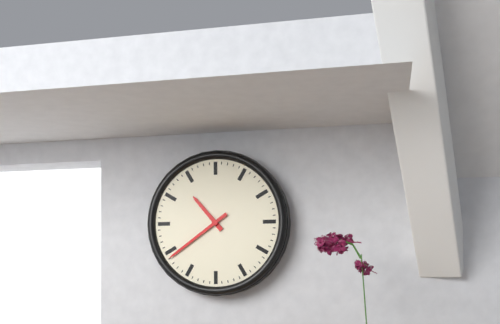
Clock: 10.39
